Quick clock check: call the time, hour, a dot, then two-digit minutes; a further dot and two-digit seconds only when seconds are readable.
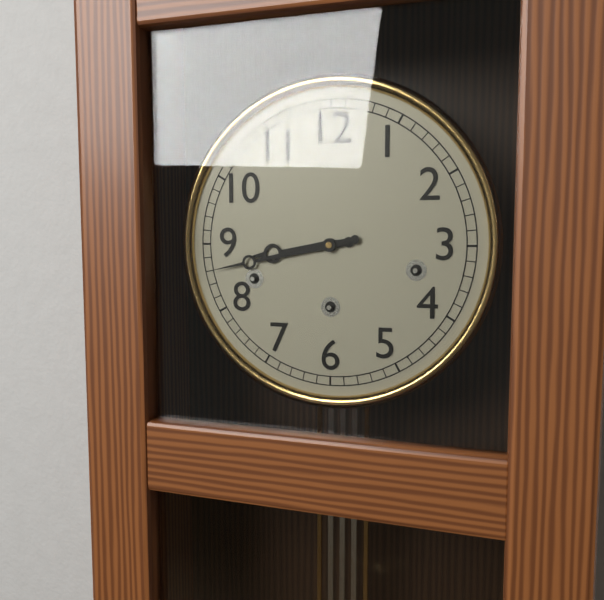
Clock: 8.43
